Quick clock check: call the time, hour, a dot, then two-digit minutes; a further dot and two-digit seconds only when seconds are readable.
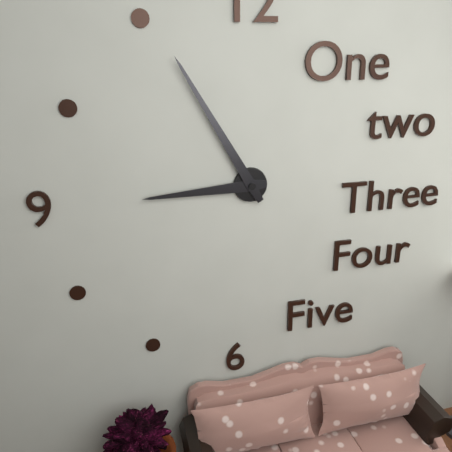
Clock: 8.55
